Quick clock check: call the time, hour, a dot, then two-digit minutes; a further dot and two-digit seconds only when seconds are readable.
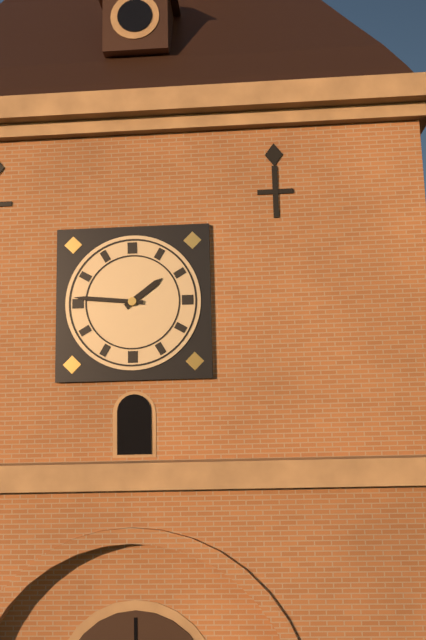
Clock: 1.46
